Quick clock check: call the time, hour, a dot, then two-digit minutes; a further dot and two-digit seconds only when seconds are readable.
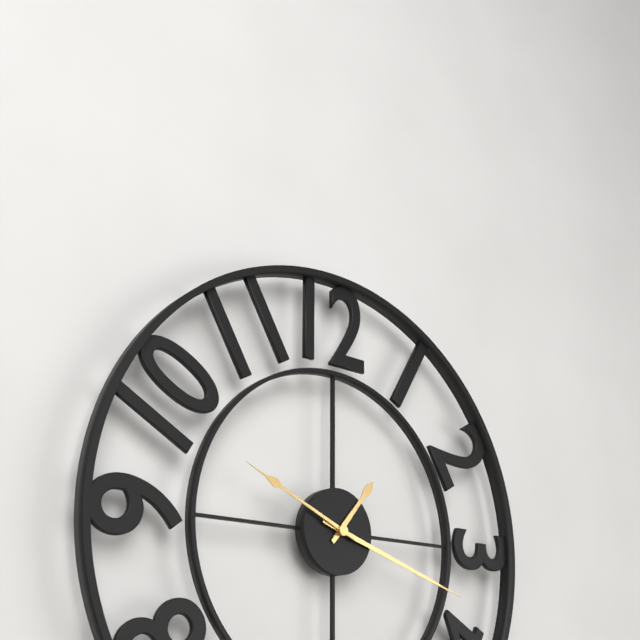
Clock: 1.18.49
